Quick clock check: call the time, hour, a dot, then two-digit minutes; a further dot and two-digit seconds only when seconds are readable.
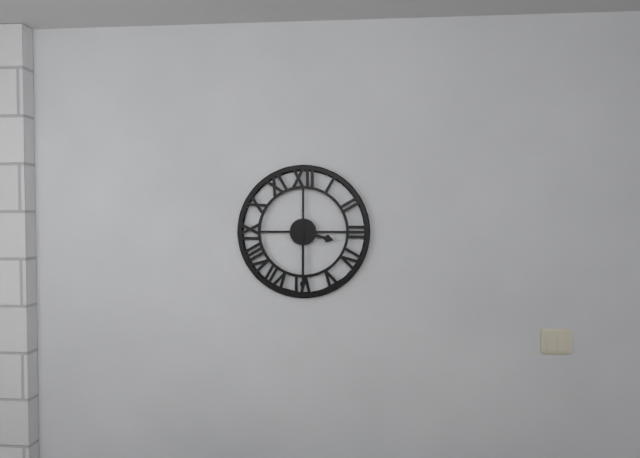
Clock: 3.30
